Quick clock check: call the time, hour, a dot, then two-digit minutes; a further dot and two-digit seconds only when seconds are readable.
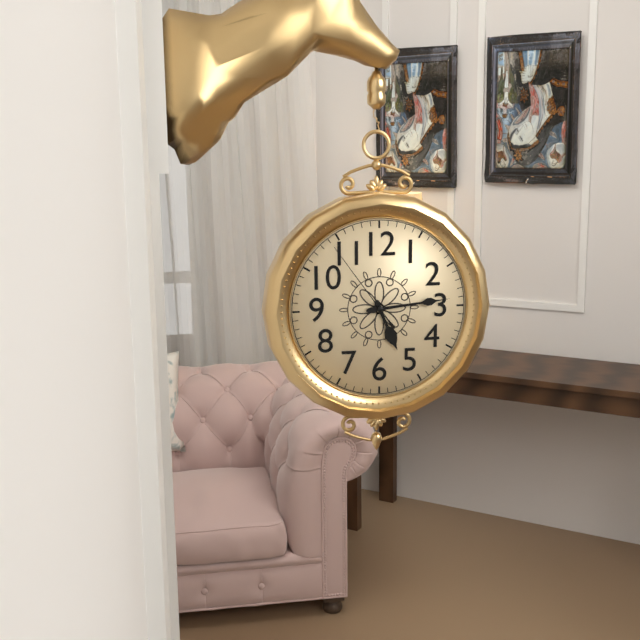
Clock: 5.14.54
